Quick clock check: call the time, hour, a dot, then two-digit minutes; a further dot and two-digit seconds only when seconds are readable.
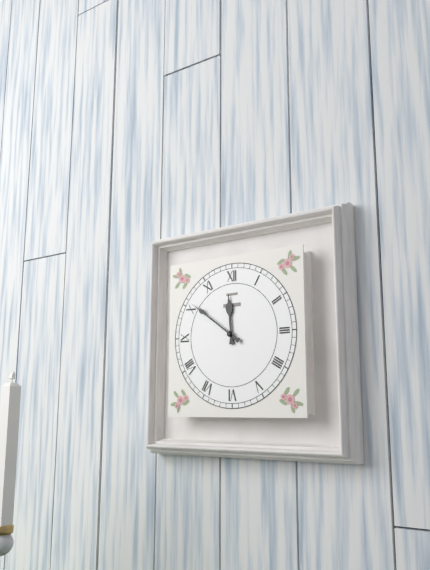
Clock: 11.51
